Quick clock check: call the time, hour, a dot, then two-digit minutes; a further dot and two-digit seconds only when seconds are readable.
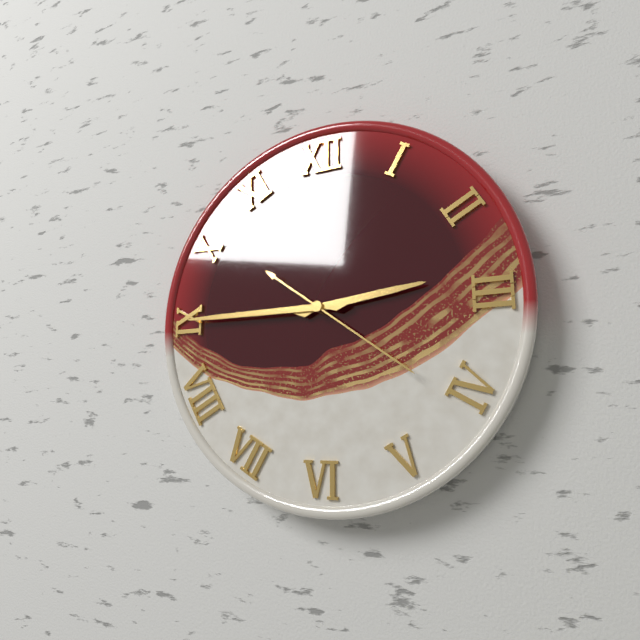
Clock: 2.45.21
